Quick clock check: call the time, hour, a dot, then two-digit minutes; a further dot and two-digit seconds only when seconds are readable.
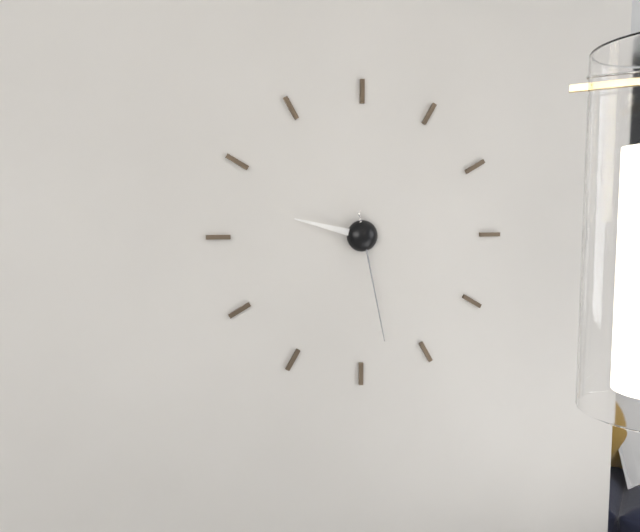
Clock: 9.28
